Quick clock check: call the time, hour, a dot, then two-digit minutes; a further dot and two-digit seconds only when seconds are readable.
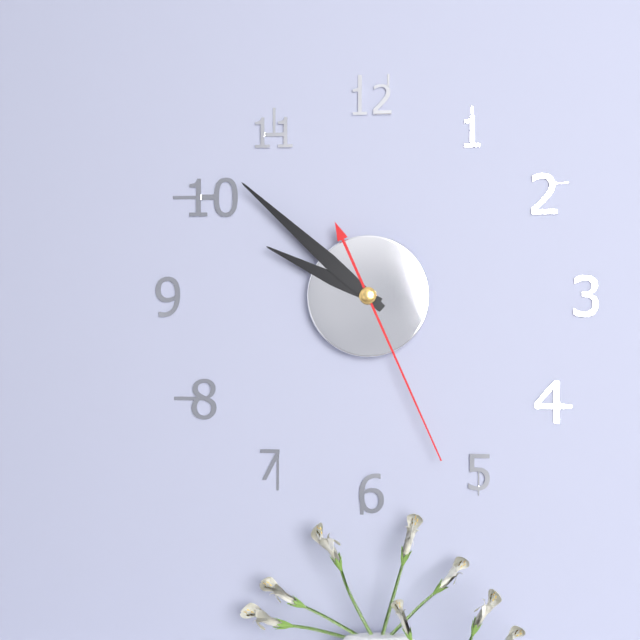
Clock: 9.52.26
